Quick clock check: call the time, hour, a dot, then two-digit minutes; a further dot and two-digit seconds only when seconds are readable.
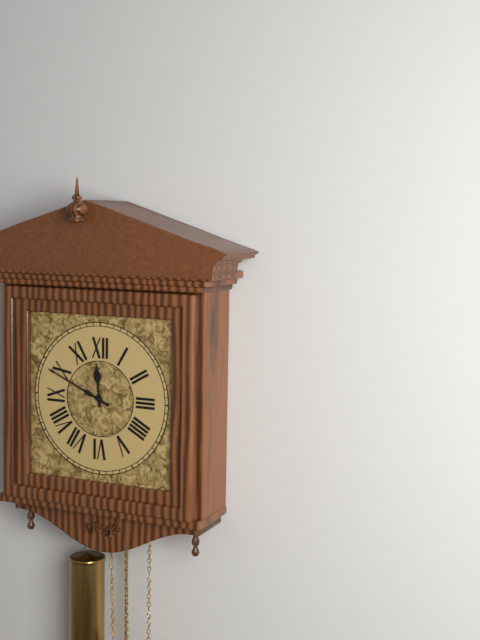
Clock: 11.49
